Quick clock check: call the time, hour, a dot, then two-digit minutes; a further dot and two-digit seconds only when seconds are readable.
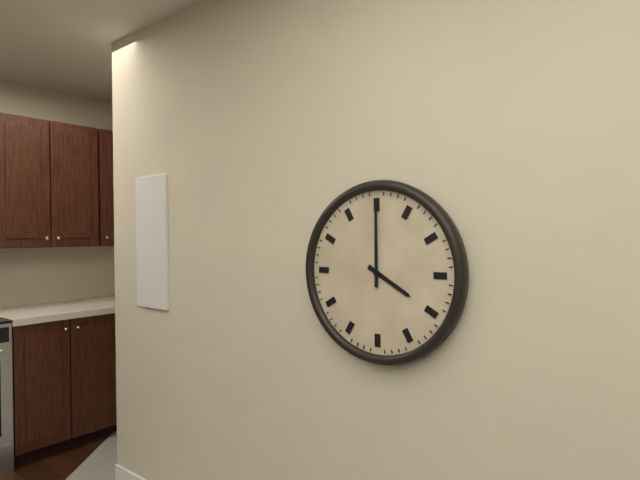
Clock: 4.00
